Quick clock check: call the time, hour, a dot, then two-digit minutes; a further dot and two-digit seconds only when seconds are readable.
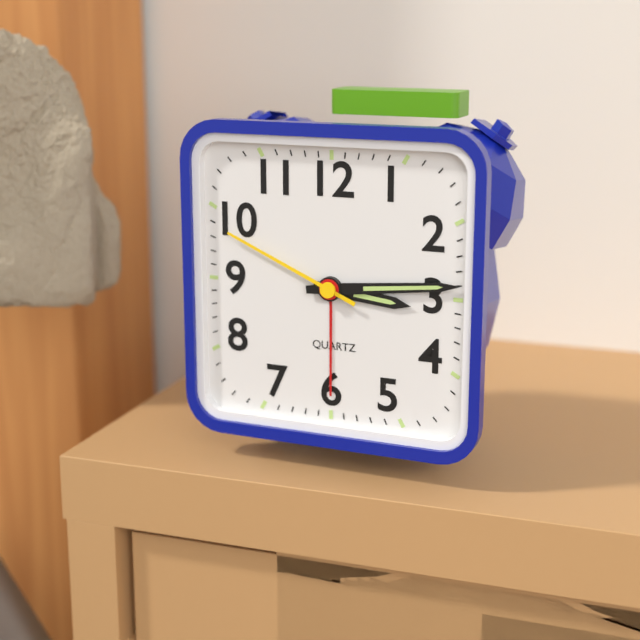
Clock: 3.14.49
